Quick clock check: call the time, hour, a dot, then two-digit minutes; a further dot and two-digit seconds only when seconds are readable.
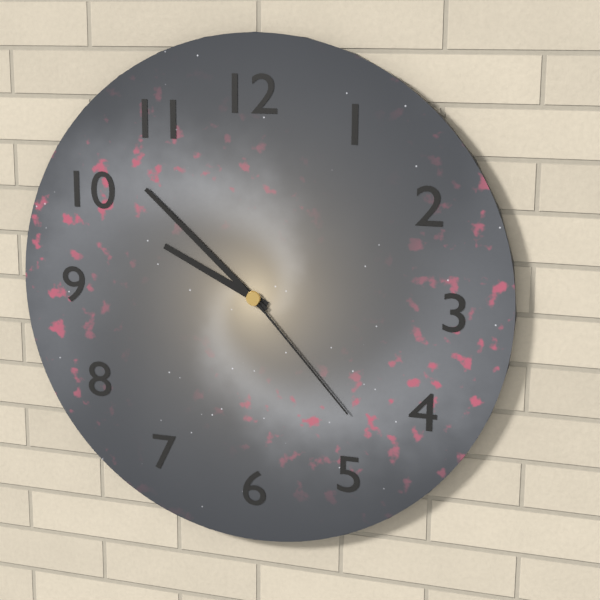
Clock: 9.52.23
